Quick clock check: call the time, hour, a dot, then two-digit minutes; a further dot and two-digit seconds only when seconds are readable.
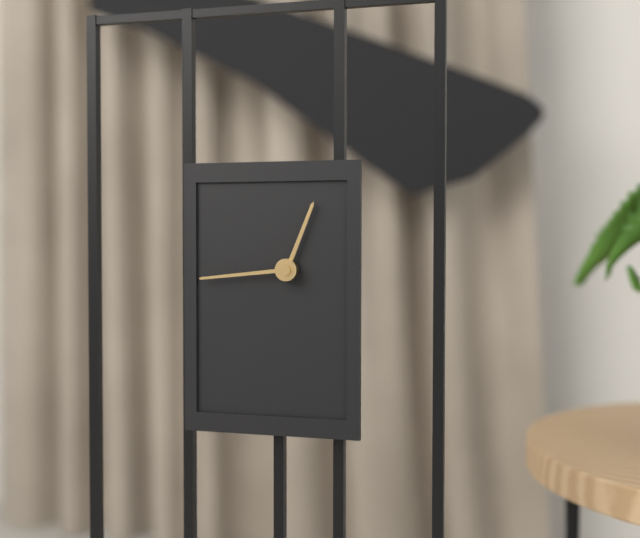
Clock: 12.44
